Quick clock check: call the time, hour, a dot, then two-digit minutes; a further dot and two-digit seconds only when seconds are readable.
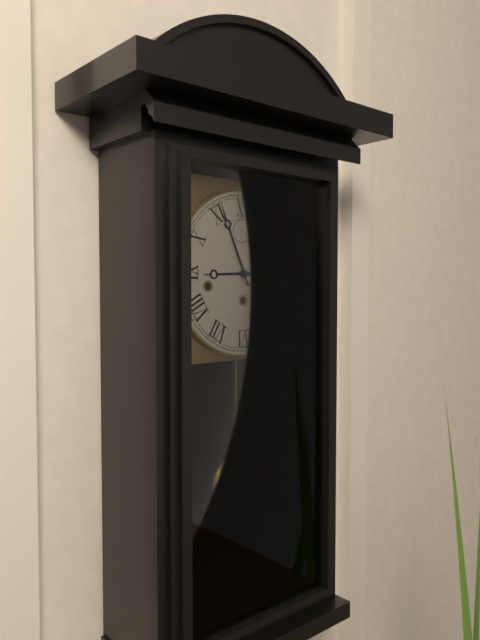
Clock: 8.56
